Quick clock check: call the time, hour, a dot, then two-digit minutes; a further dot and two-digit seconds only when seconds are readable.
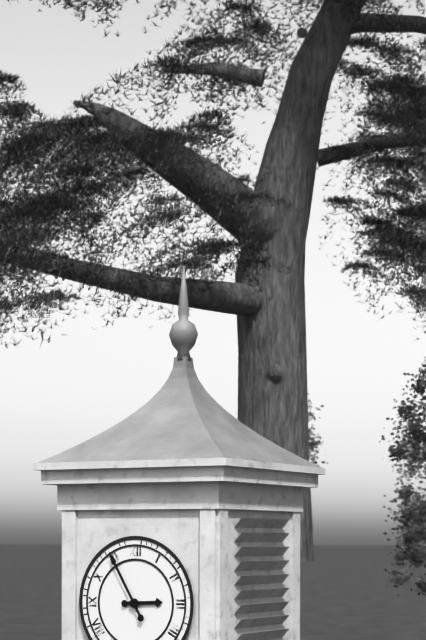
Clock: 2.55
